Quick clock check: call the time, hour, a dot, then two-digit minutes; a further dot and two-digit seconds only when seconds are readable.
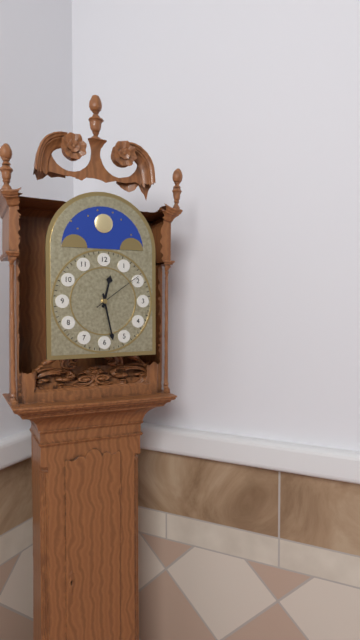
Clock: 12.28.09
